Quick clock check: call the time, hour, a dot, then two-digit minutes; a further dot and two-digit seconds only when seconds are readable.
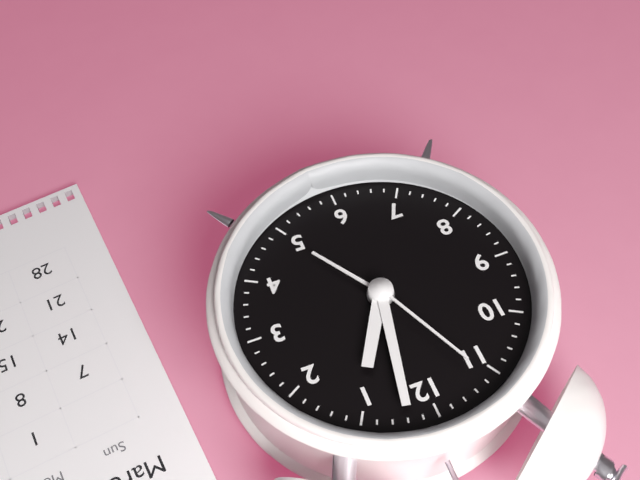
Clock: 1.02.56
